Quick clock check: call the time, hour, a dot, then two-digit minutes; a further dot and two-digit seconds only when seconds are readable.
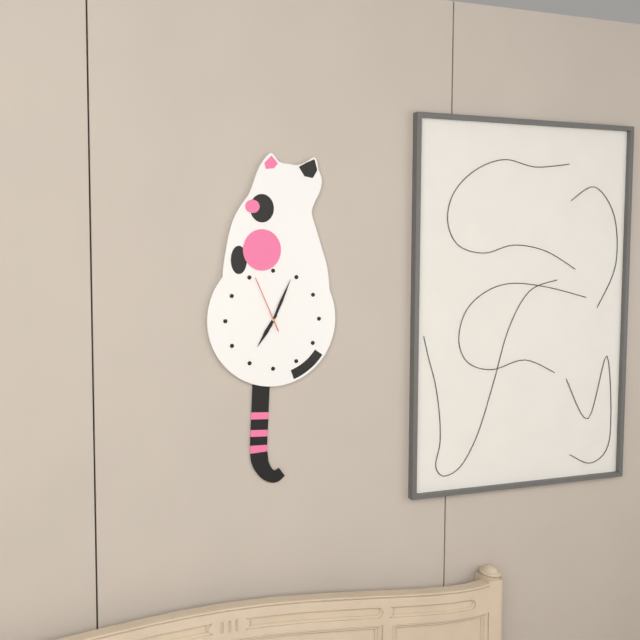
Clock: 7.04.56
